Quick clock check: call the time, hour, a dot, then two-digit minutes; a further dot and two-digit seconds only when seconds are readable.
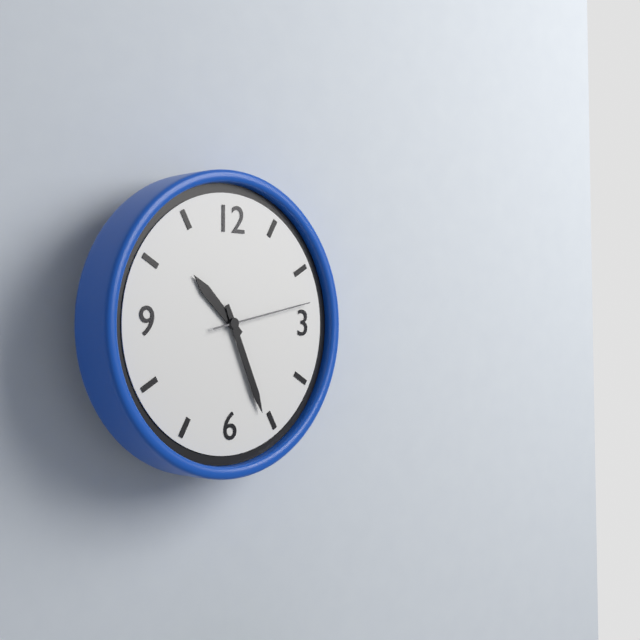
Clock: 10.26.13
